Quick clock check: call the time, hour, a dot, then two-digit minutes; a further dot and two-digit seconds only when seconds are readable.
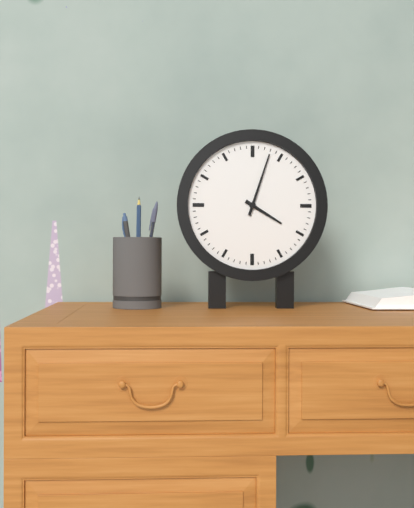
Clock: 4.03
